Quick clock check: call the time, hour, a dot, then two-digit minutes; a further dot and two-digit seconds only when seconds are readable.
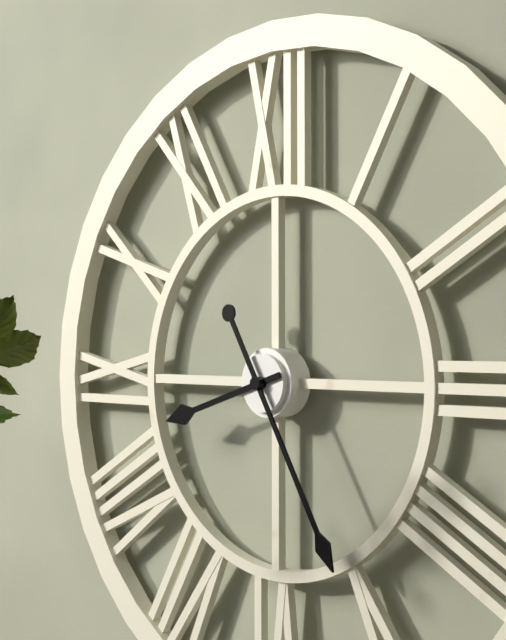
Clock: 8.25
